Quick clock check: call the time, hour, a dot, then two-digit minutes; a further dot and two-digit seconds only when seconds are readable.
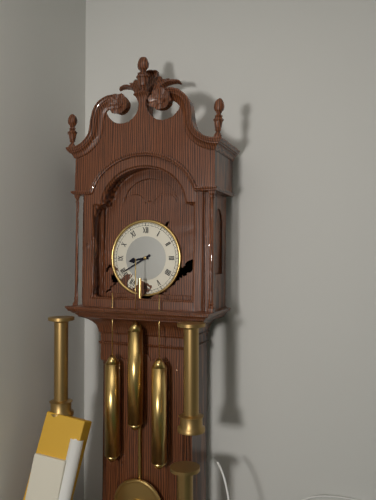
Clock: 8.40
